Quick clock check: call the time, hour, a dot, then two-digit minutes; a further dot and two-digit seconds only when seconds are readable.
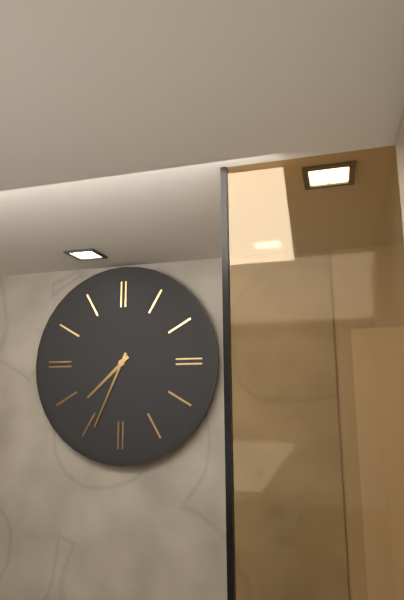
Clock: 7.34
